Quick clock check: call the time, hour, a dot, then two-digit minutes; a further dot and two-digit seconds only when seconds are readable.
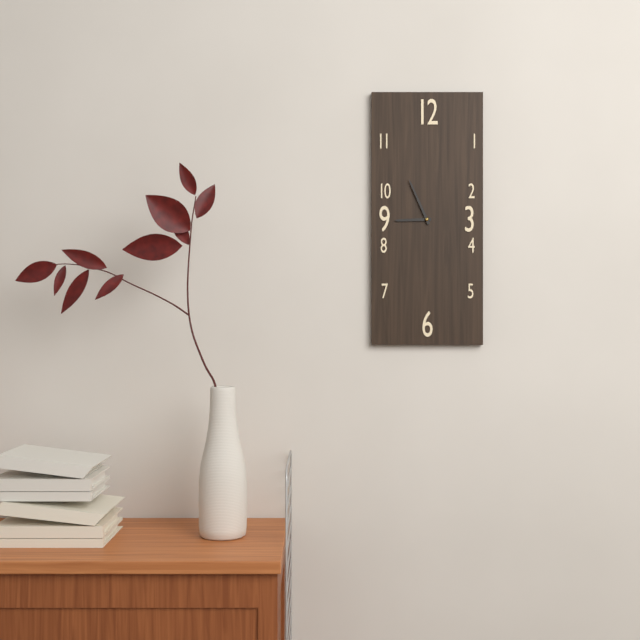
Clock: 8.56
